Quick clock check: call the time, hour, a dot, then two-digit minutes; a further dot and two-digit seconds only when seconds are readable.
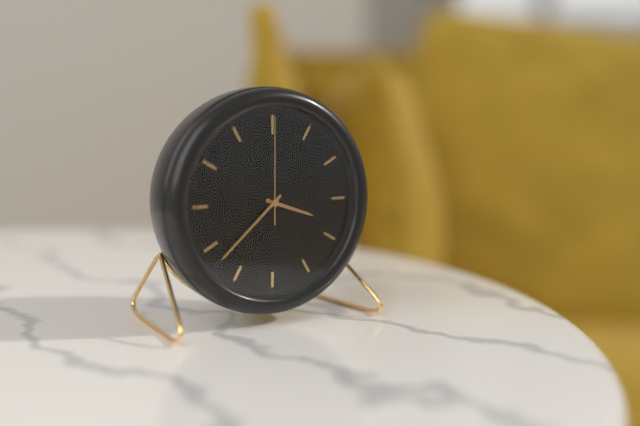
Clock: 3.38.00
